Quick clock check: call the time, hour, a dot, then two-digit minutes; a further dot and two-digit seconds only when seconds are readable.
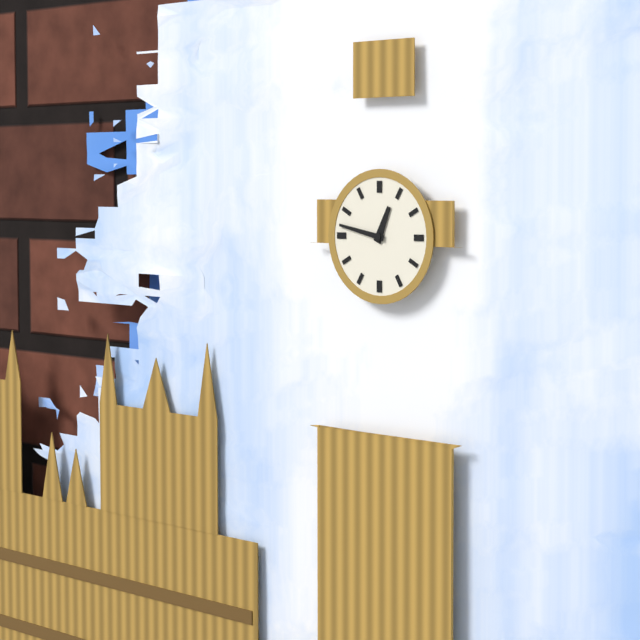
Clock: 12.47
